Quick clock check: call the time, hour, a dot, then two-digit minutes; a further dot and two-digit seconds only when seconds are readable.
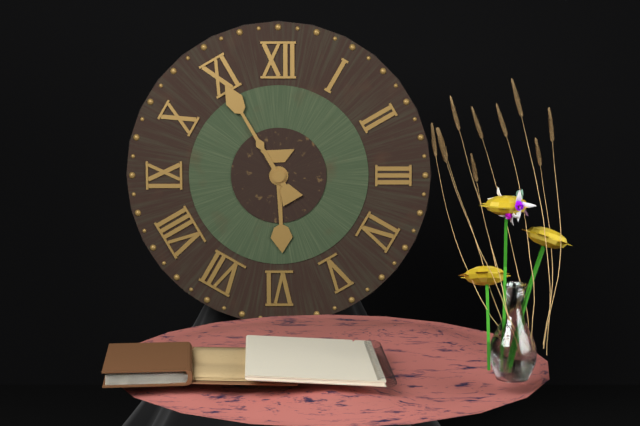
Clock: 5.55
